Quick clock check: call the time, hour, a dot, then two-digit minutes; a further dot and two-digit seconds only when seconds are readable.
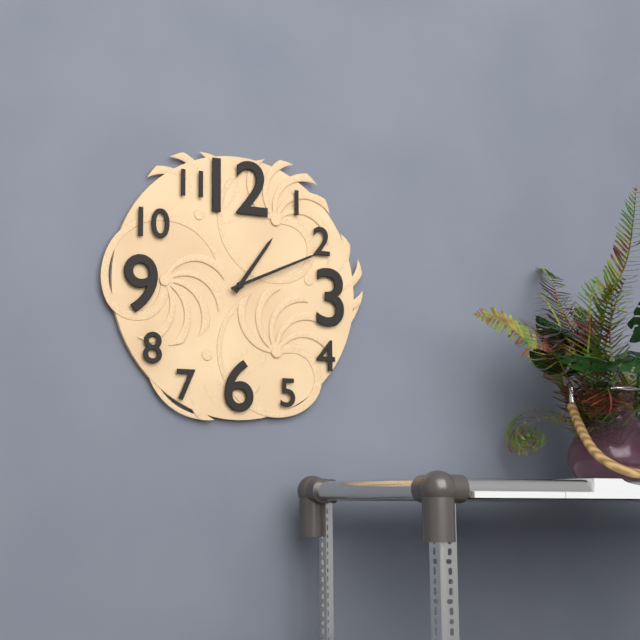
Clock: 1.11
